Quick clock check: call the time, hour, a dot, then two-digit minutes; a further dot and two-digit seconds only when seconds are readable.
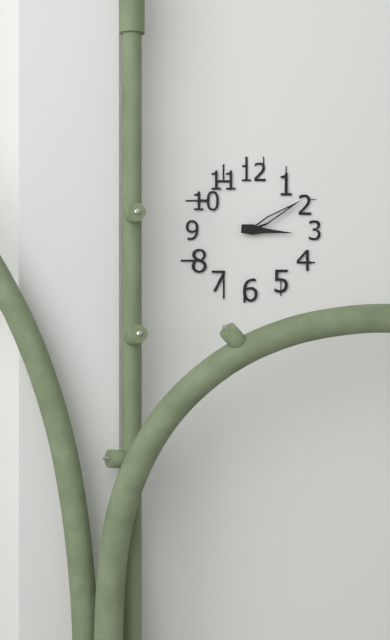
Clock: 3.10
